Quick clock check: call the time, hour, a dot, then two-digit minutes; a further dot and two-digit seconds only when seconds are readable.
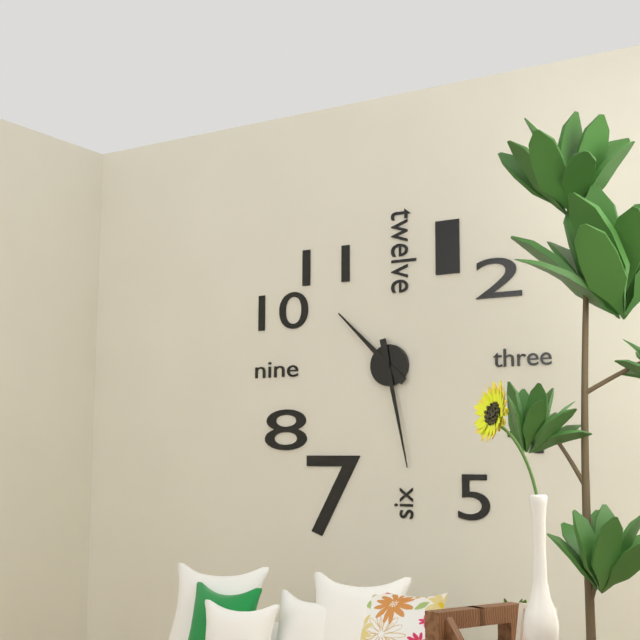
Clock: 10.28
